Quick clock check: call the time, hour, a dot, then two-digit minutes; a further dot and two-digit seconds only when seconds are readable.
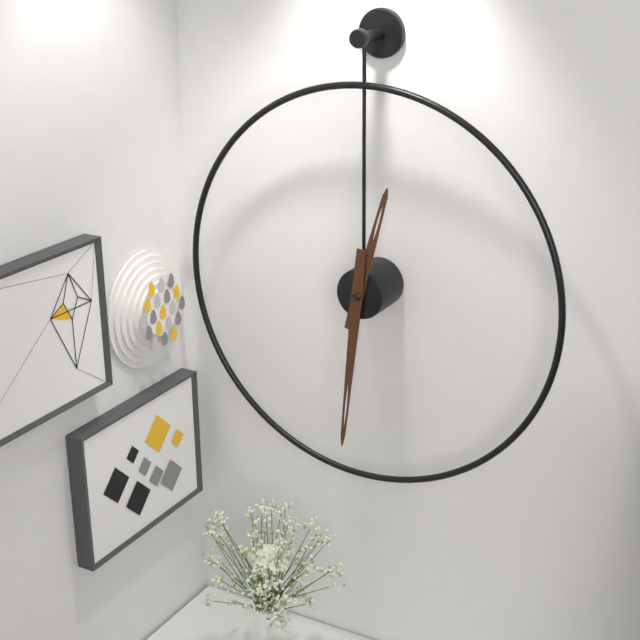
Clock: 12.31
